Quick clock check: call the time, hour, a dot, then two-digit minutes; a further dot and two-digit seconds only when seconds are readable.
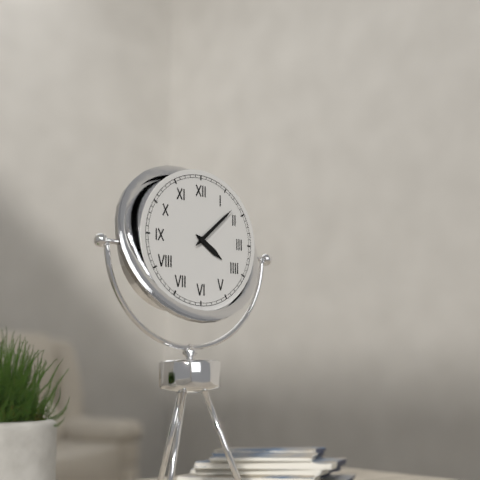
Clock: 4.08
